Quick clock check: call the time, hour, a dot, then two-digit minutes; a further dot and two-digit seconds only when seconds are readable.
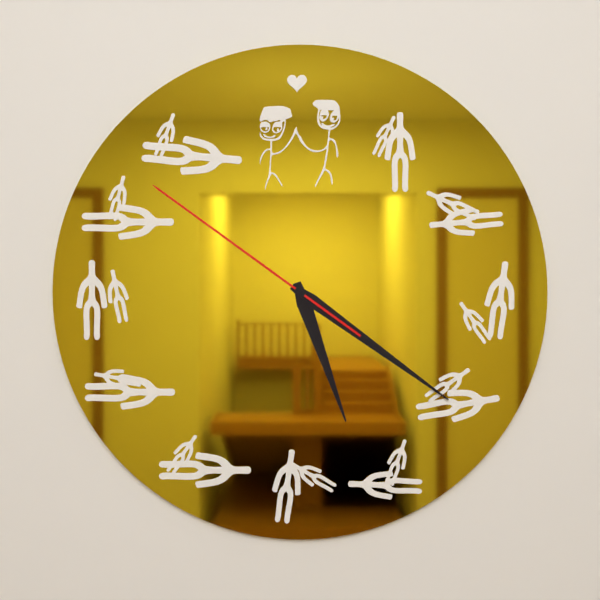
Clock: 5.21.51
